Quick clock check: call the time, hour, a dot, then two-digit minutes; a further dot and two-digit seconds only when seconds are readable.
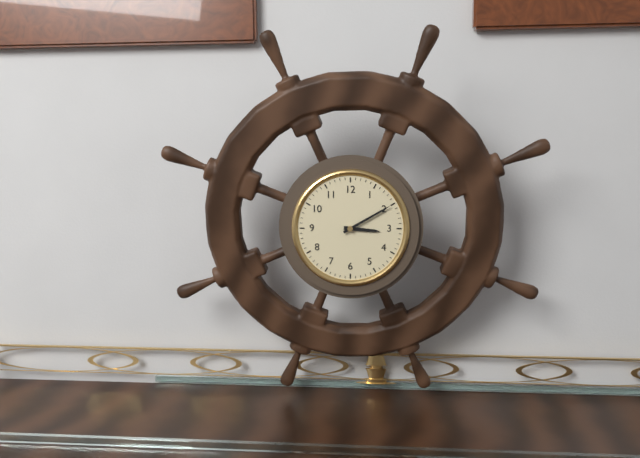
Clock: 3.10
